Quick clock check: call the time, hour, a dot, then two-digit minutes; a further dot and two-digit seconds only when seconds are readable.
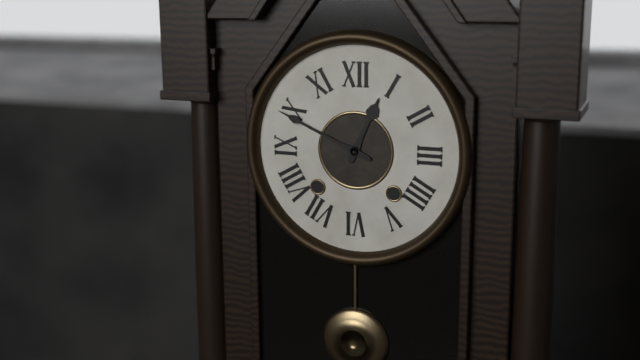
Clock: 12.49
